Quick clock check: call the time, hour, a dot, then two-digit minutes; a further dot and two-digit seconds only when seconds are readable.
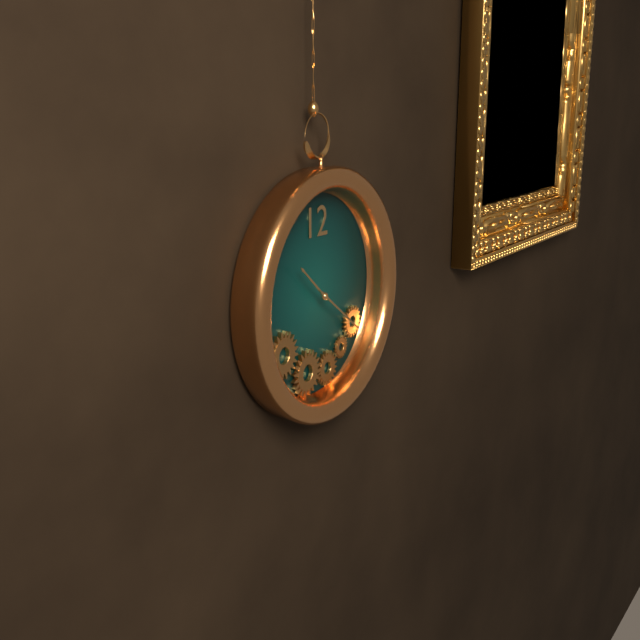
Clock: 10.21
